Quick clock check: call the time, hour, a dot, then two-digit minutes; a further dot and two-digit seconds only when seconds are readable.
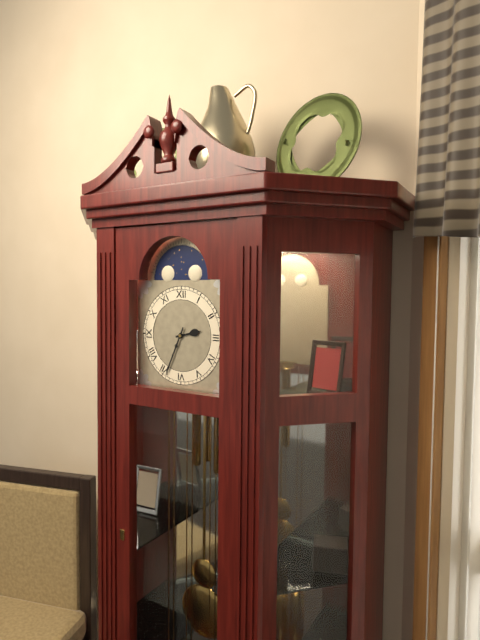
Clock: 2.34
